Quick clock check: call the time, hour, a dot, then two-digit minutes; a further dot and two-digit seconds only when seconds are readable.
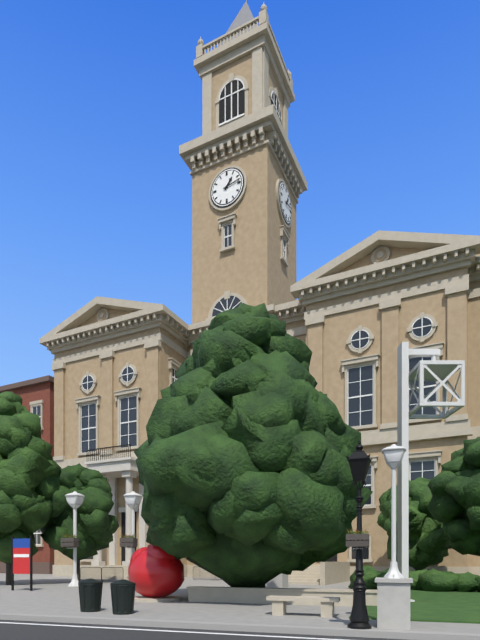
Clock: 1.13
